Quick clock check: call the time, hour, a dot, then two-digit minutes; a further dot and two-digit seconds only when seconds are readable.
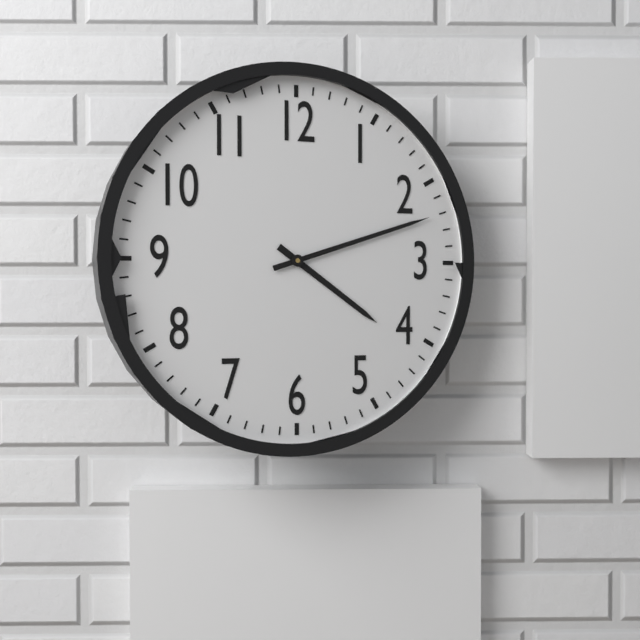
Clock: 4.12
